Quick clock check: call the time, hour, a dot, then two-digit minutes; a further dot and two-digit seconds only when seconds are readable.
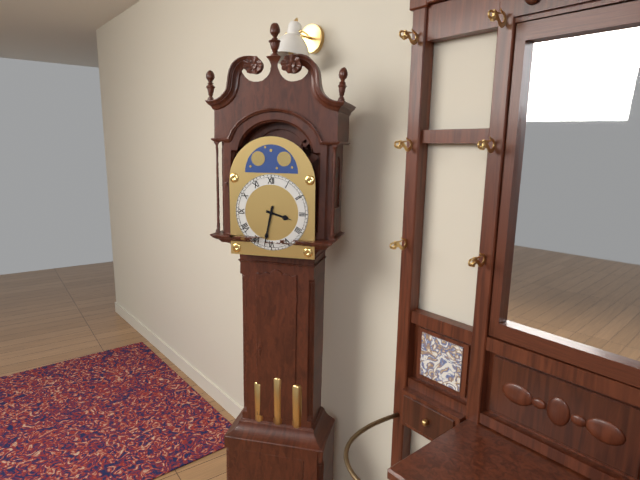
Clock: 3.32
